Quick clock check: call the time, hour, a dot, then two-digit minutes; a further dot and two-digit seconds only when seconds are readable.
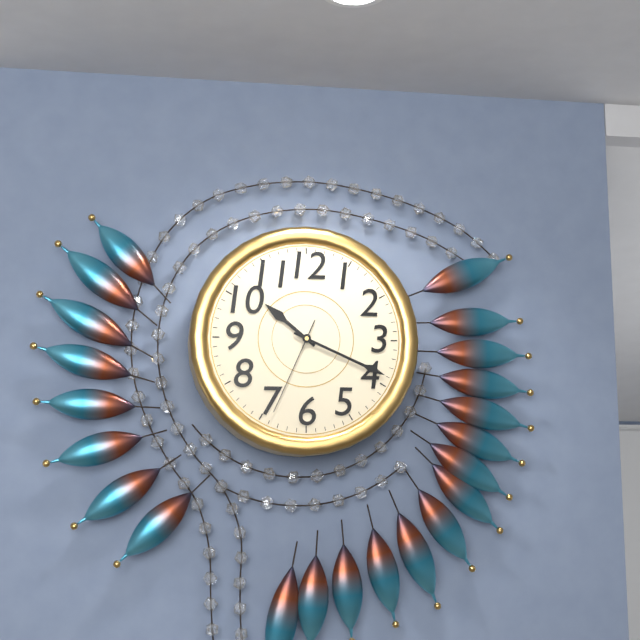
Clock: 10.19.34
